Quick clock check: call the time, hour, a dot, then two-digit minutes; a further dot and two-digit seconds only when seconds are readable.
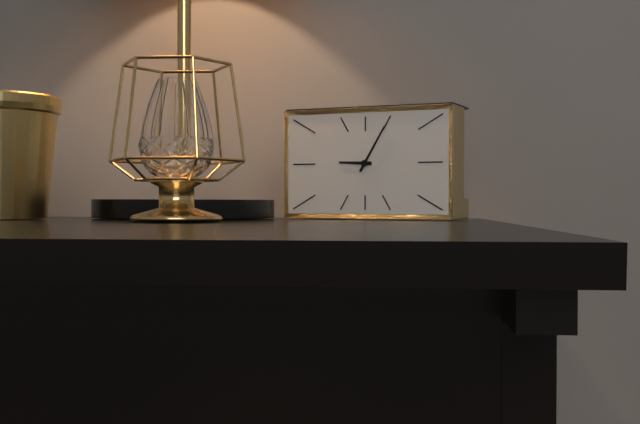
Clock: 9.05
